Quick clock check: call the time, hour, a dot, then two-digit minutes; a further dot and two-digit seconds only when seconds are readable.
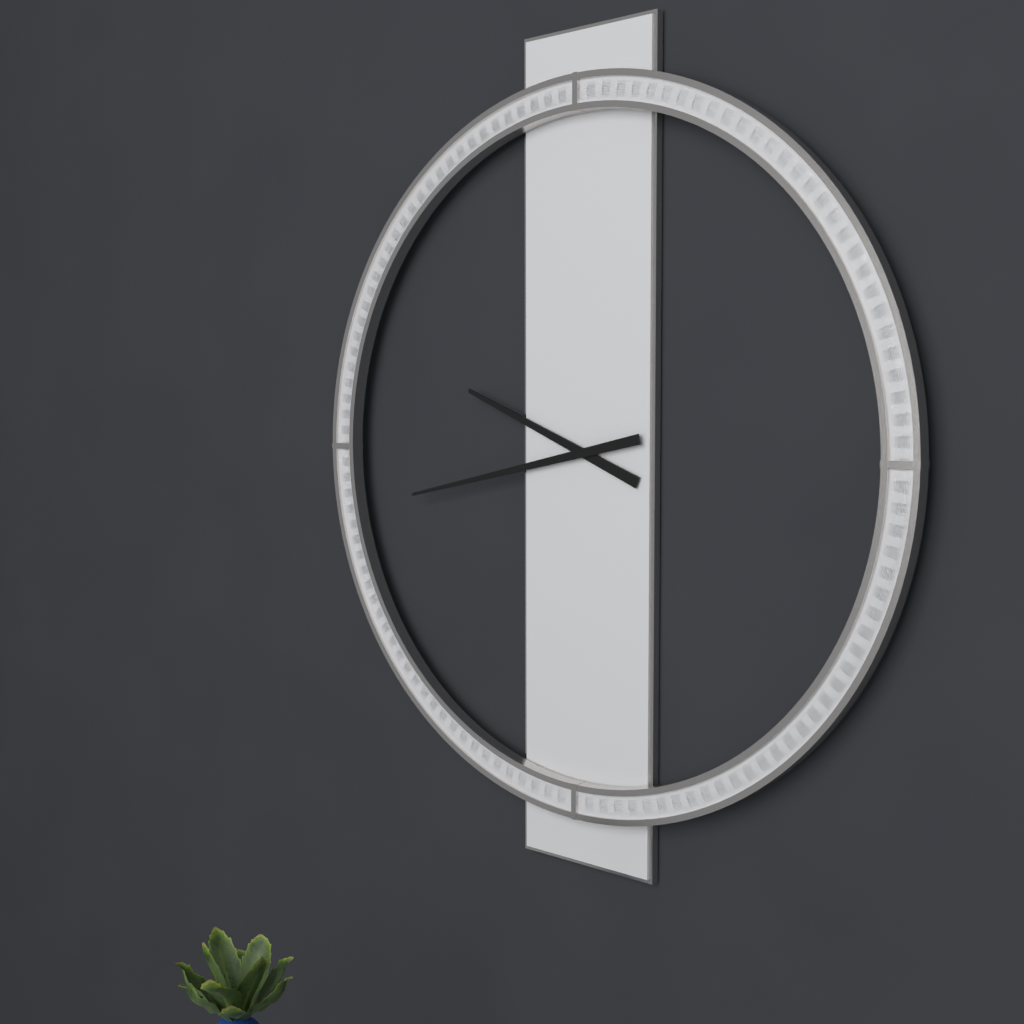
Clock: 9.43
